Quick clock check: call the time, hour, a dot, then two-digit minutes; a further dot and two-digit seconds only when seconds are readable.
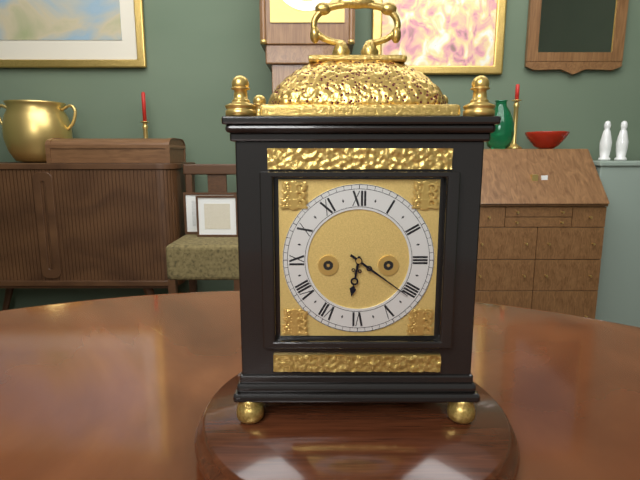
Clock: 6.21
